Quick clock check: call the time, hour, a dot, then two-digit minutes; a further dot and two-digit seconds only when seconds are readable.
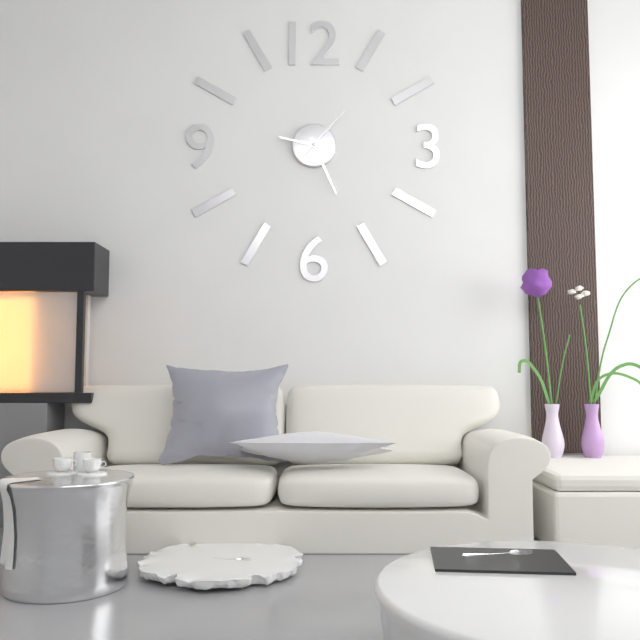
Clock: 9.26.07
